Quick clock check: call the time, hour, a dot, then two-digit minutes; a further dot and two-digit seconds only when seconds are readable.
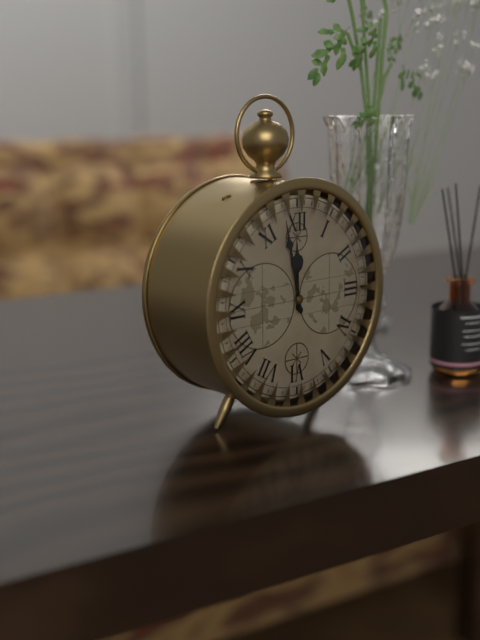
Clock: 11.58
